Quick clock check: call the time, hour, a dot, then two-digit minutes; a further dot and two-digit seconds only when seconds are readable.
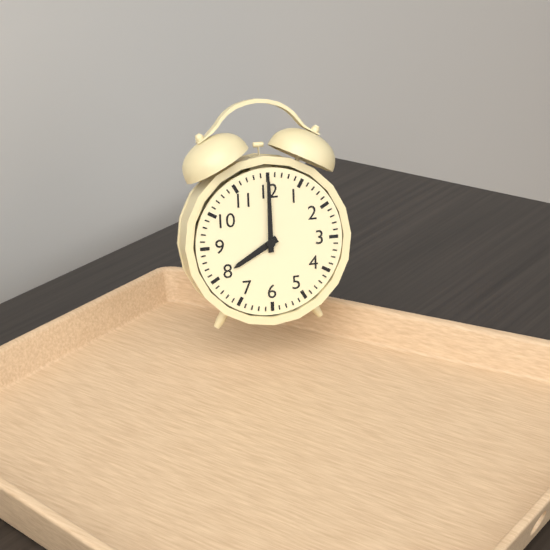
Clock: 8.00
